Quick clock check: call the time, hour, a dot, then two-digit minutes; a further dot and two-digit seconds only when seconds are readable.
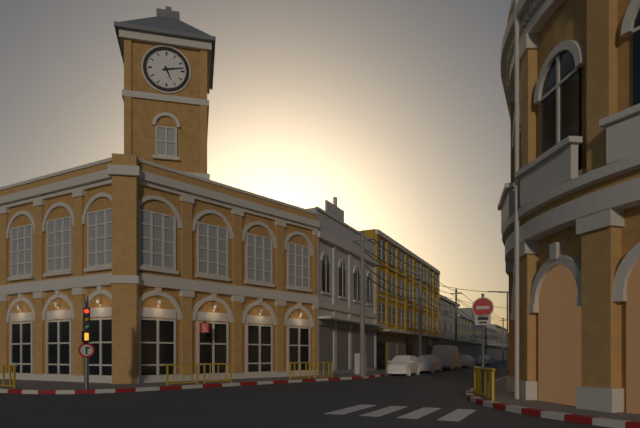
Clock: 5.13
